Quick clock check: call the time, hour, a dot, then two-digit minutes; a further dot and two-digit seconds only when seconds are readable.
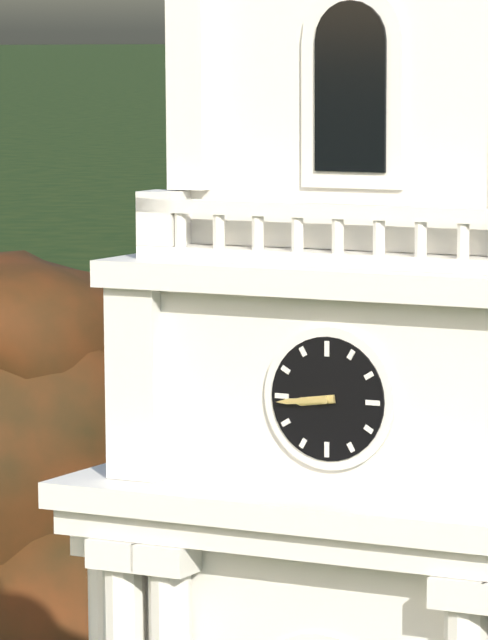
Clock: 8.44
